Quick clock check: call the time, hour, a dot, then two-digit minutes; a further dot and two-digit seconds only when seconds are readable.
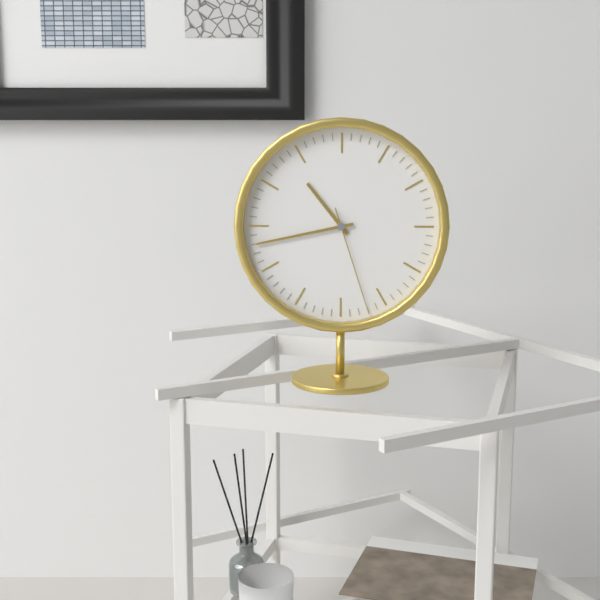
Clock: 10.43.27
